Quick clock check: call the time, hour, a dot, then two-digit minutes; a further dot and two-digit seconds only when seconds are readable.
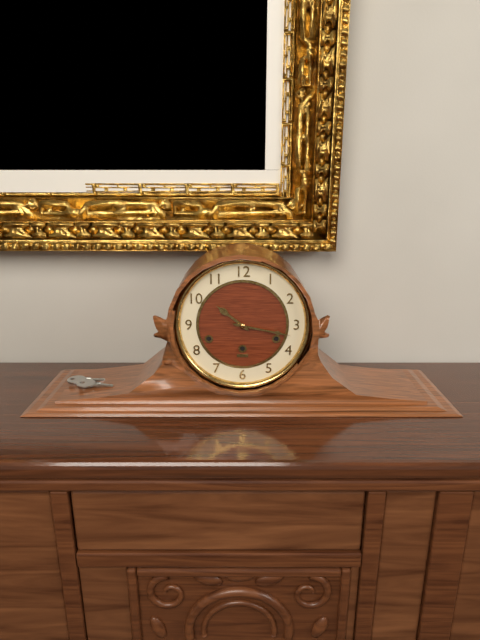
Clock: 10.17
